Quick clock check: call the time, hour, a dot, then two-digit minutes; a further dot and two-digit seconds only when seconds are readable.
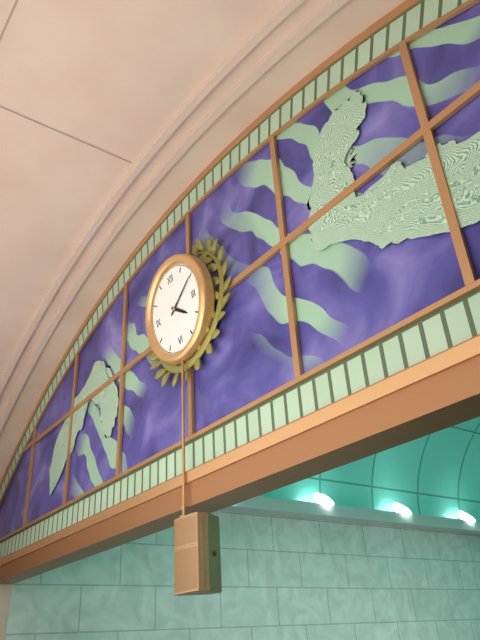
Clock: 4.10
